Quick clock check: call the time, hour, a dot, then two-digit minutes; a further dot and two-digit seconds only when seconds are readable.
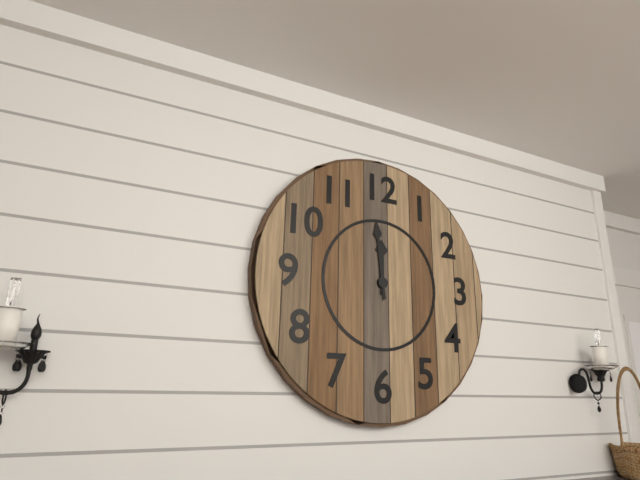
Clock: 11.59
